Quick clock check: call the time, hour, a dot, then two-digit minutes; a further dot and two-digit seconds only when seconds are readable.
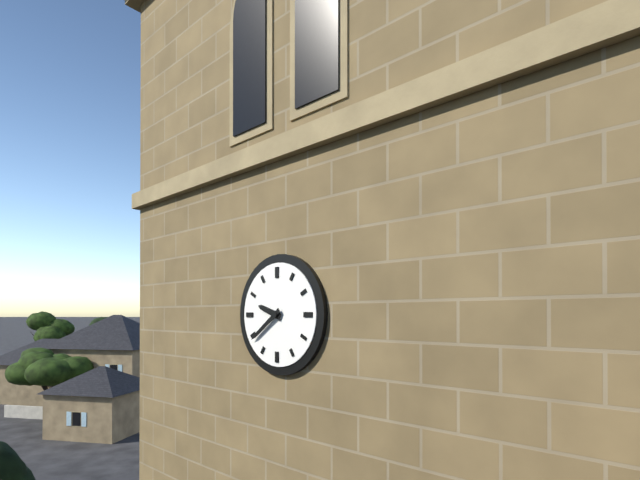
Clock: 9.39
